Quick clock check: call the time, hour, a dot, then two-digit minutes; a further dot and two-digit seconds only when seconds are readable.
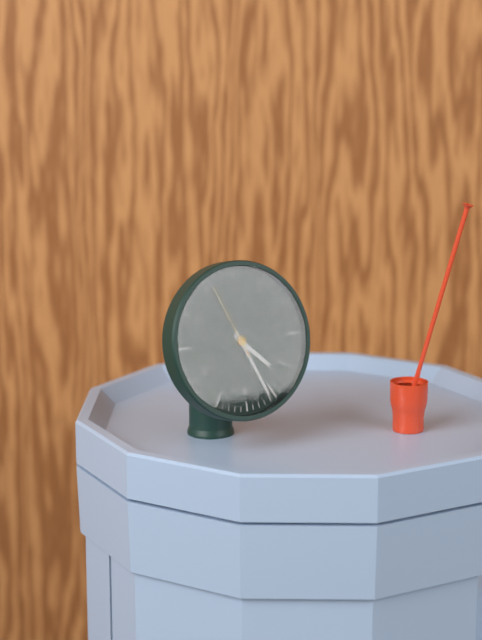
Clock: 4.26.56
